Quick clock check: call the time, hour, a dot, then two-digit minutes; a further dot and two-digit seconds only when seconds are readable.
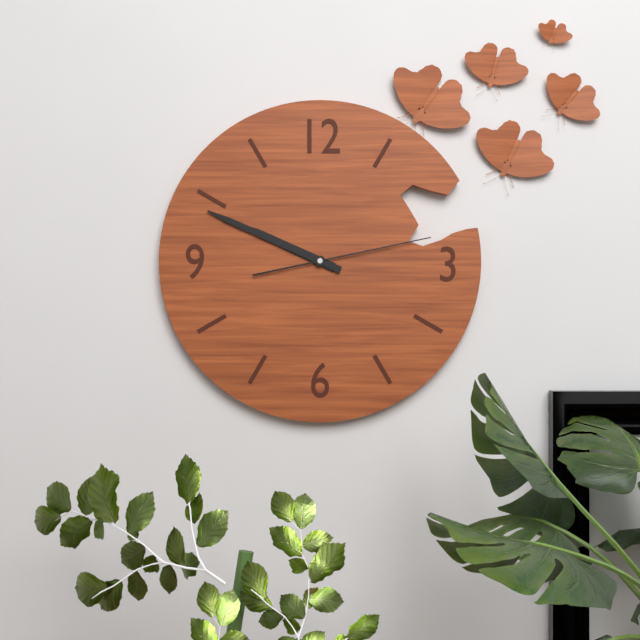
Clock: 9.49.13
